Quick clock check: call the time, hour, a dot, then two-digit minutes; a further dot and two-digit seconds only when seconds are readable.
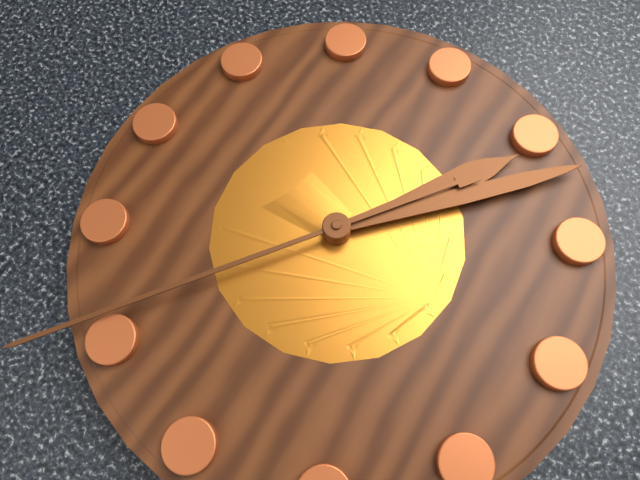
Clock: 1.07.36
